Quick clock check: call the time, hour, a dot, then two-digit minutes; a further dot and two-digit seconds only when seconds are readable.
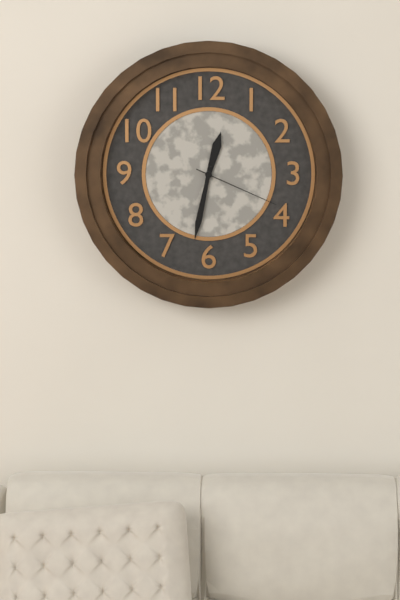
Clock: 12.32.19
